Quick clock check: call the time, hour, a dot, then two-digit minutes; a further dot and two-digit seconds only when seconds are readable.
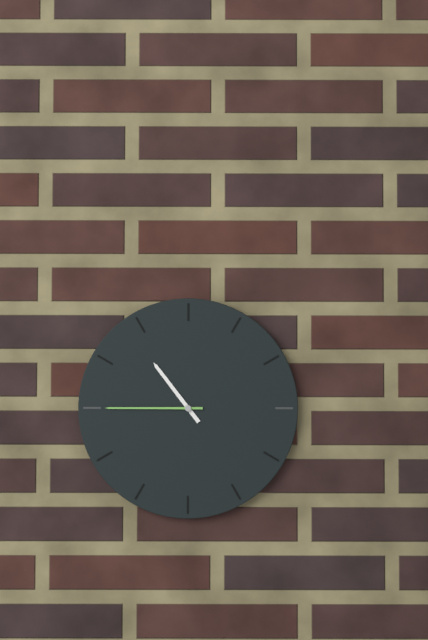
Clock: 10.45
